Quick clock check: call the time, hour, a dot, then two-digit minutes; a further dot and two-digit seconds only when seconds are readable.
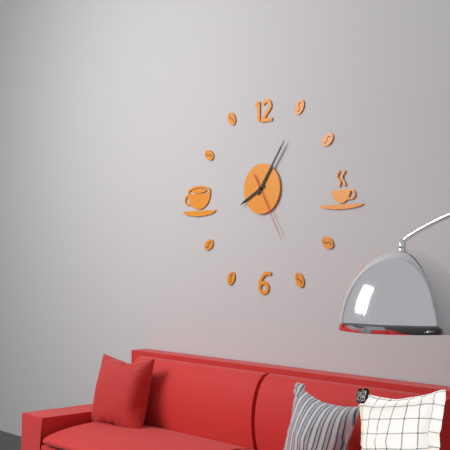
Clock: 8.06.25
